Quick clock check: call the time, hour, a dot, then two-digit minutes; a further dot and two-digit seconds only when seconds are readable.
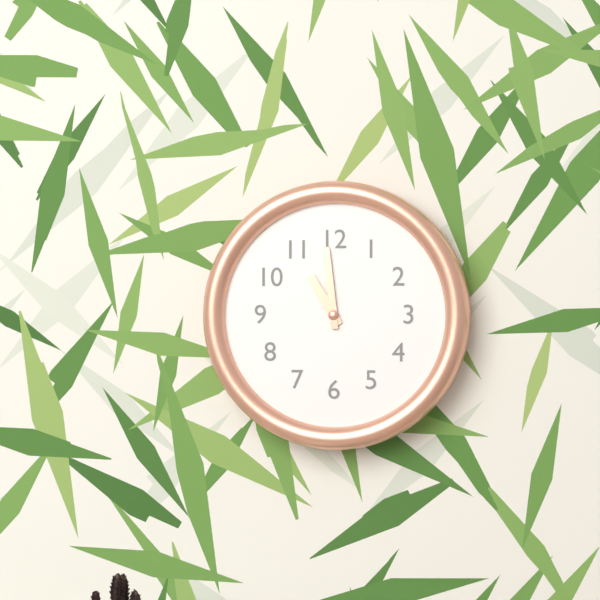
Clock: 10.59
